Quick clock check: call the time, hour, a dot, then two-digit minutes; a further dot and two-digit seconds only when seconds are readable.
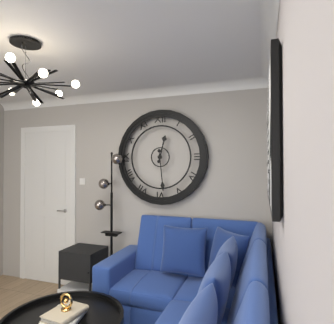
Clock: 12.29
